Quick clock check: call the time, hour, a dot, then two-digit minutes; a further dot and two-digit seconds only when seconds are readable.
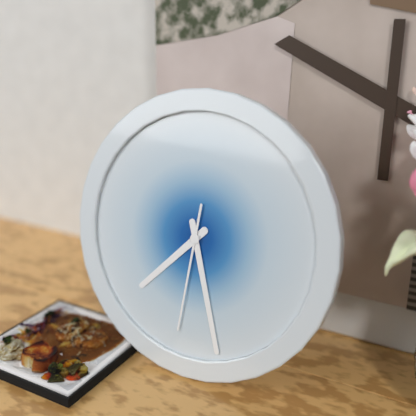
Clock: 7.27.31
